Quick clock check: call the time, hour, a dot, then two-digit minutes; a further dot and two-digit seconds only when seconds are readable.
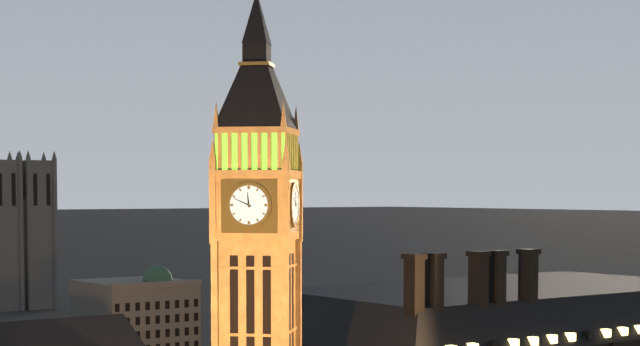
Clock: 11.49
